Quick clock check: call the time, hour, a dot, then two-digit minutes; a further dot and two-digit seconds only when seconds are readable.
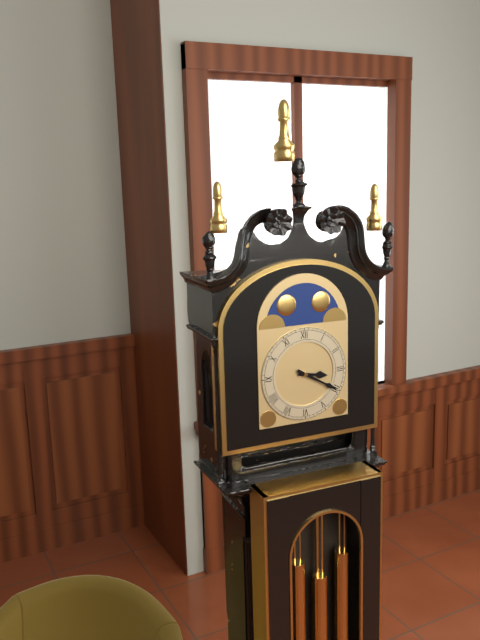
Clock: 3.20
